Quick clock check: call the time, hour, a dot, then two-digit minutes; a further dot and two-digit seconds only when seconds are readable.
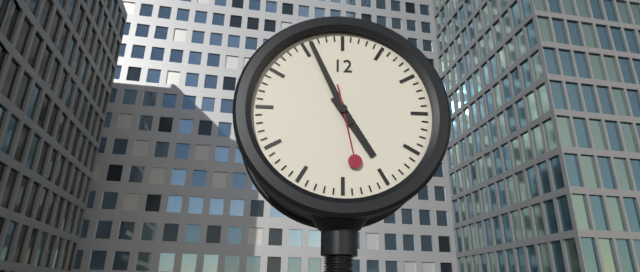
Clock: 4.56.28
